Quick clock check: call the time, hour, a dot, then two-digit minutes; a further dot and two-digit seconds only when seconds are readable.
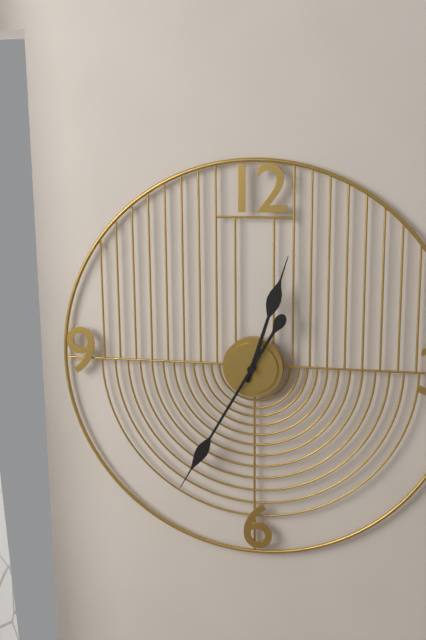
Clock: 12.35
